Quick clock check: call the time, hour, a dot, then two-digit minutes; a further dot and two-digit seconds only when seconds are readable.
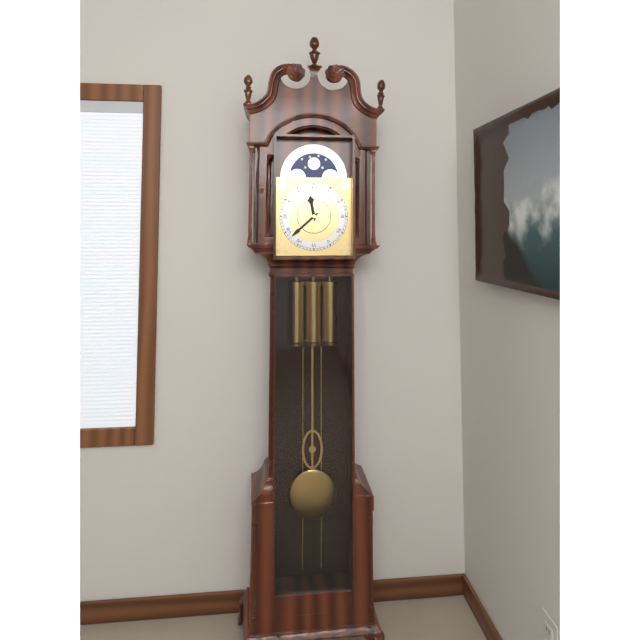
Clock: 11.38
